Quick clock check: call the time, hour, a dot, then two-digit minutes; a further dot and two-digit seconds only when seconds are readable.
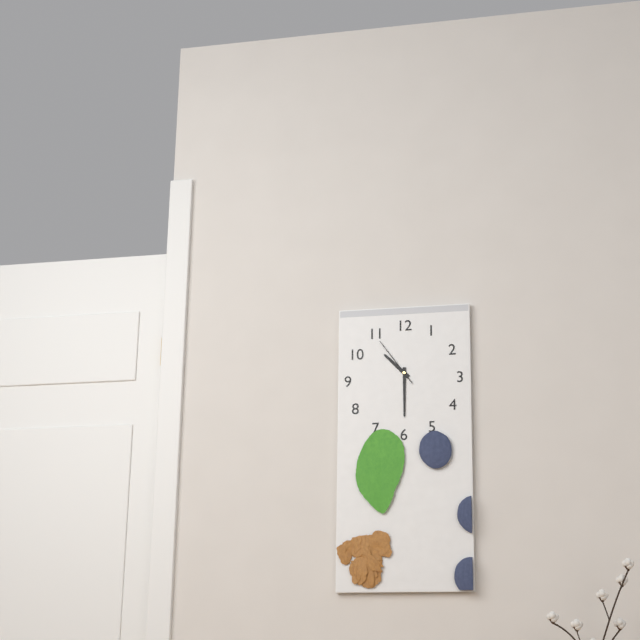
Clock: 10.30.54
